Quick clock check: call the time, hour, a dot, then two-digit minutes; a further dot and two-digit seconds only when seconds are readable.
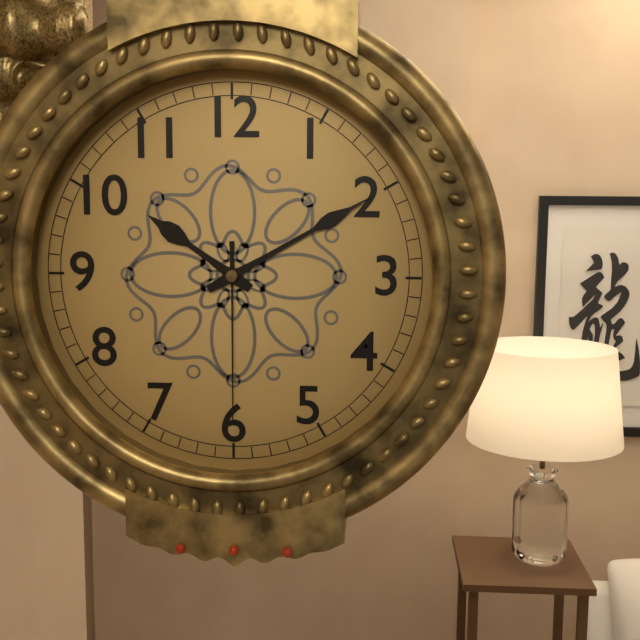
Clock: 10.10.30
